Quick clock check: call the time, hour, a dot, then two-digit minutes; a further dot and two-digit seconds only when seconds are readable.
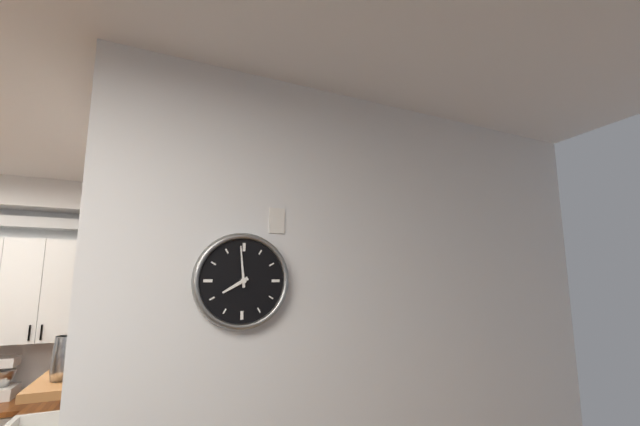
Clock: 7.59
